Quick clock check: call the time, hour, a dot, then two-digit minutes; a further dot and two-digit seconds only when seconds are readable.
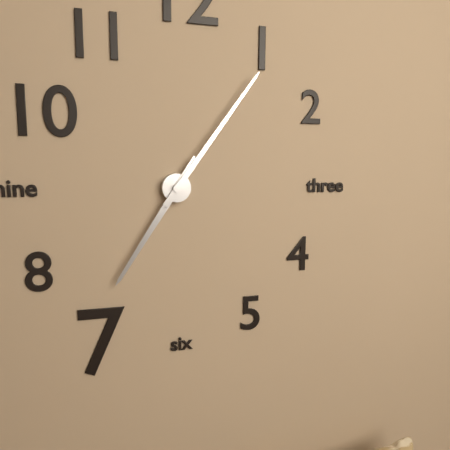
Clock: 7.06
